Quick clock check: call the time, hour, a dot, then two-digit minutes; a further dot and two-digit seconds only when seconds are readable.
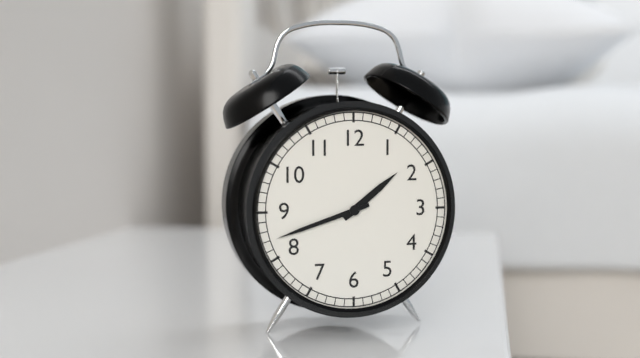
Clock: 1.42
